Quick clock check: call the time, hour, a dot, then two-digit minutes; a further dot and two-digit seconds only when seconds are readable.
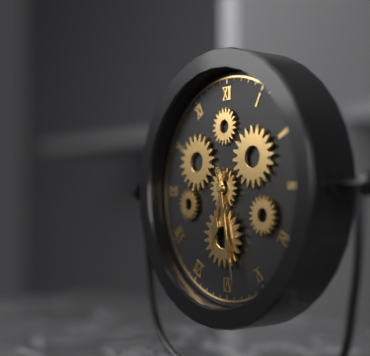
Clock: 6.28
